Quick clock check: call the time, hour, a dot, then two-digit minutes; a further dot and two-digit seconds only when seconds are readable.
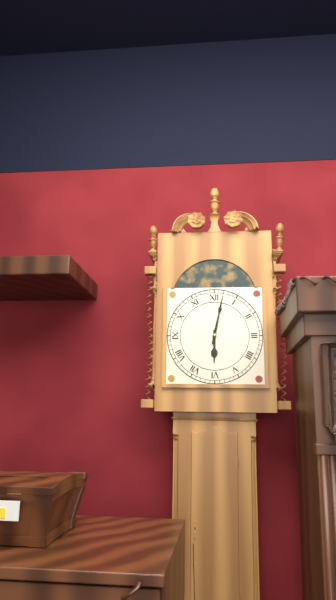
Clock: 6.02
